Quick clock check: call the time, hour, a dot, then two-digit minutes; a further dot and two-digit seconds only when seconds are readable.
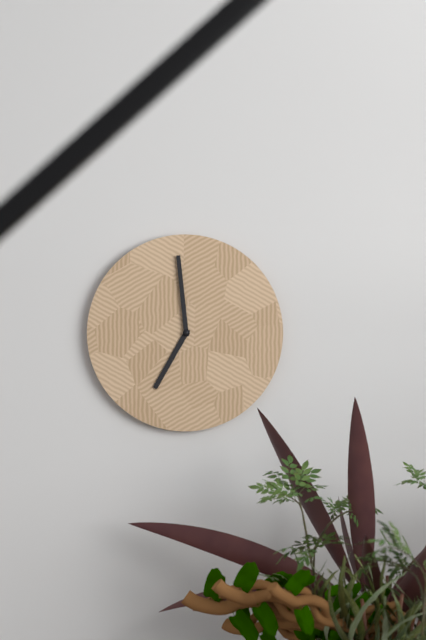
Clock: 6.59
